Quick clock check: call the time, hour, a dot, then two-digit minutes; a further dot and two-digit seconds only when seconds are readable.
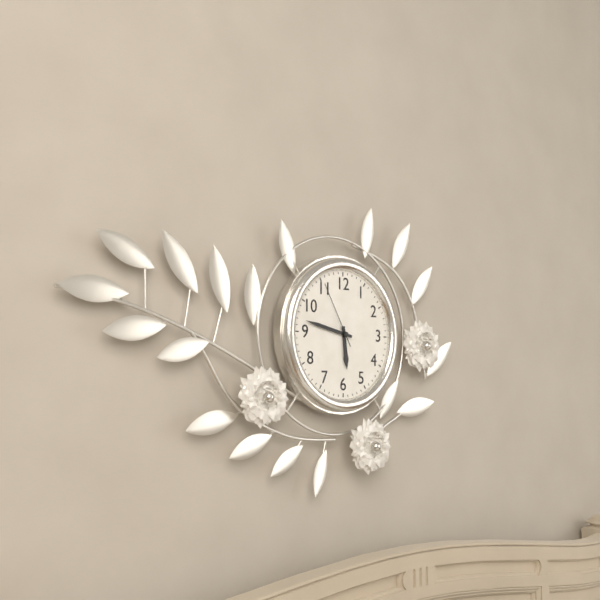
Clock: 5.47.55
